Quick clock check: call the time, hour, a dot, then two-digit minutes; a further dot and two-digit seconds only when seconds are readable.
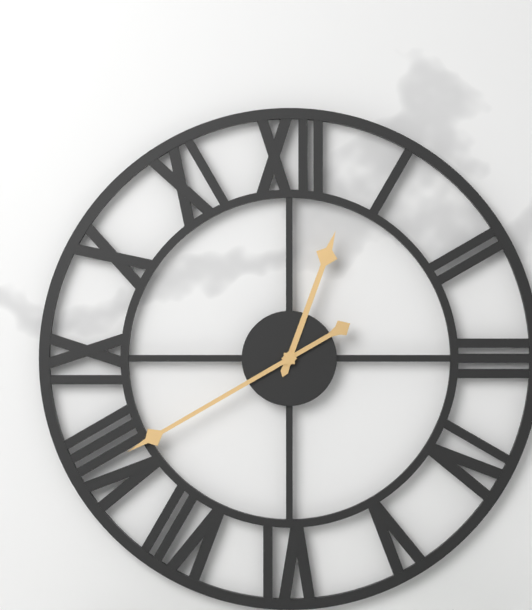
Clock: 12.40
